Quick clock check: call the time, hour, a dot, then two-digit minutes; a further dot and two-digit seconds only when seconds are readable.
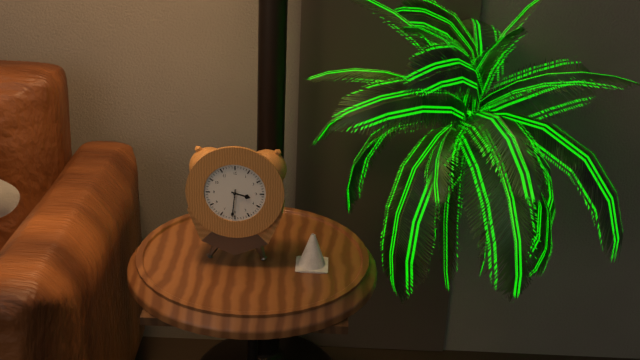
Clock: 3.31
